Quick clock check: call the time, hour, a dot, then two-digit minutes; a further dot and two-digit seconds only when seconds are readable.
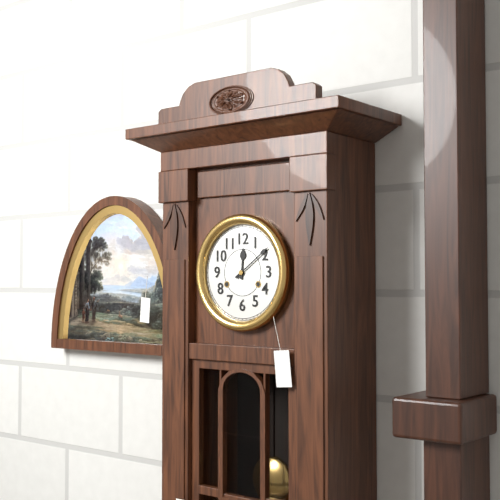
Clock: 12.09
